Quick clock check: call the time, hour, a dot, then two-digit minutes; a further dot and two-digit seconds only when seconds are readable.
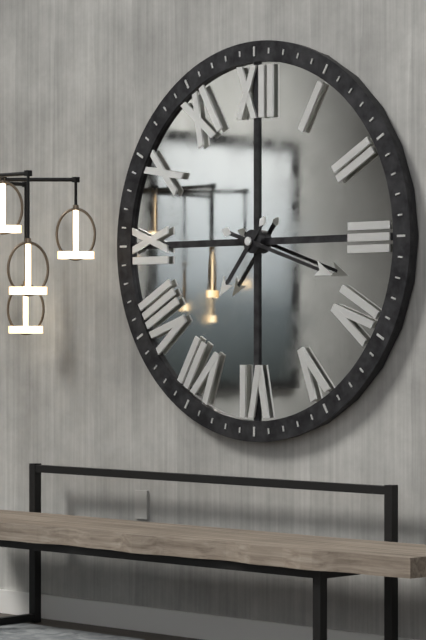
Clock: 7.18
